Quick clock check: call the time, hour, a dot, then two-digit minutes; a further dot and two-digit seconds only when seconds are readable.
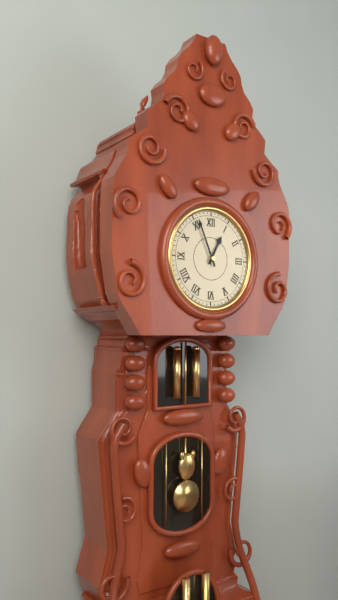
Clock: 12.56
